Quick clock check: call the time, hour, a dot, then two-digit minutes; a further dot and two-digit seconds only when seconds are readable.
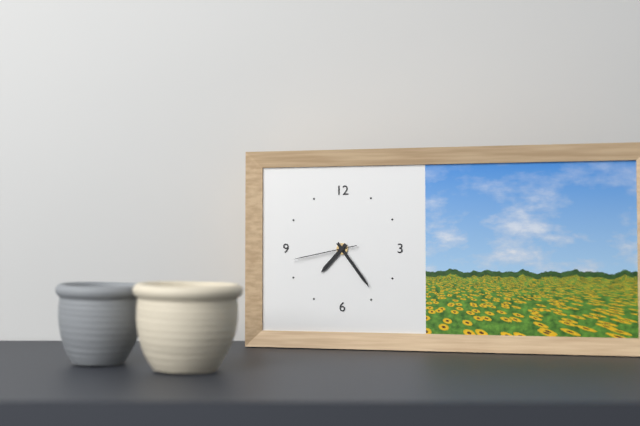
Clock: 7.24.43
